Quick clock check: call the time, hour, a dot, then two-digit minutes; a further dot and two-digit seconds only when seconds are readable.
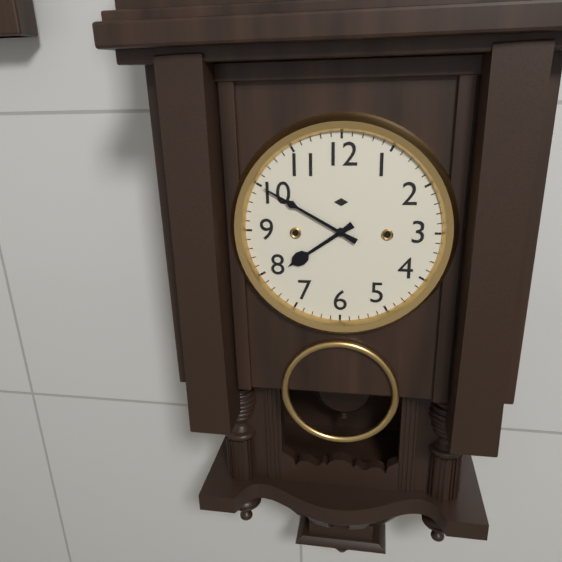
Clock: 7.50
